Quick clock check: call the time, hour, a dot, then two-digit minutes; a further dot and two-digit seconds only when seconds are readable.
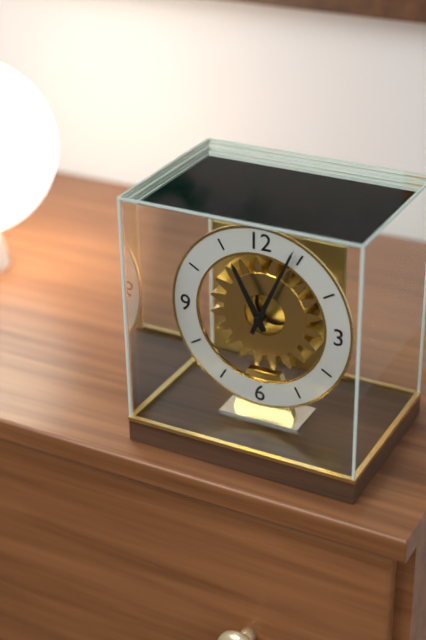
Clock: 11.04
